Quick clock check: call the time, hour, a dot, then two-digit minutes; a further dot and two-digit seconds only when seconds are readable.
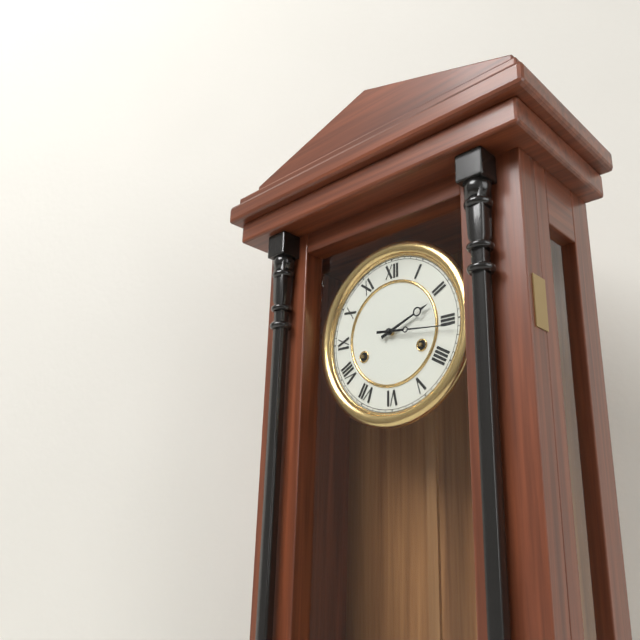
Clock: 2.16
